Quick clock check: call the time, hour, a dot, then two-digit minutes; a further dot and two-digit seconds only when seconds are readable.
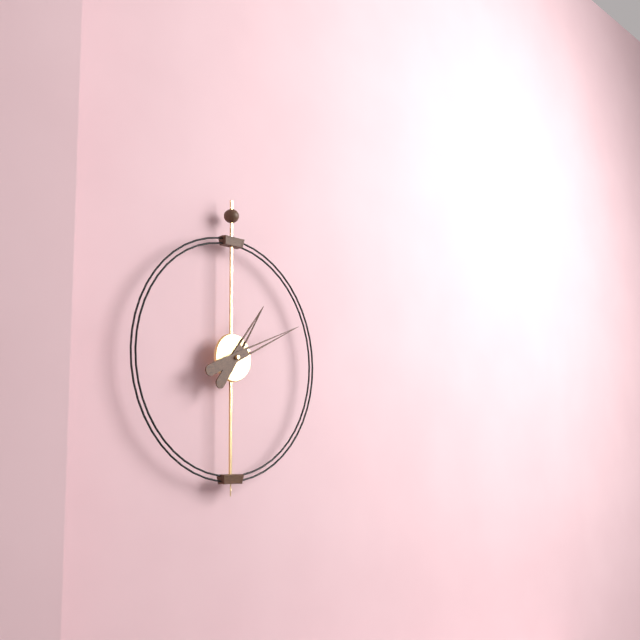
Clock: 1.11
